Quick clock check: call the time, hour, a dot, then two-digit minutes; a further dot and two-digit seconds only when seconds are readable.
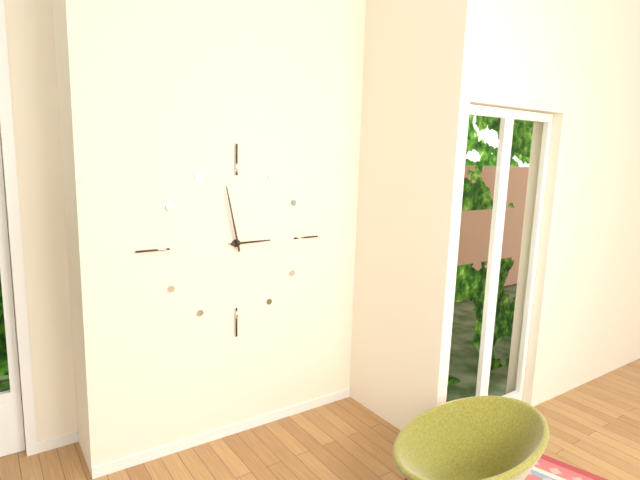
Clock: 2.58
